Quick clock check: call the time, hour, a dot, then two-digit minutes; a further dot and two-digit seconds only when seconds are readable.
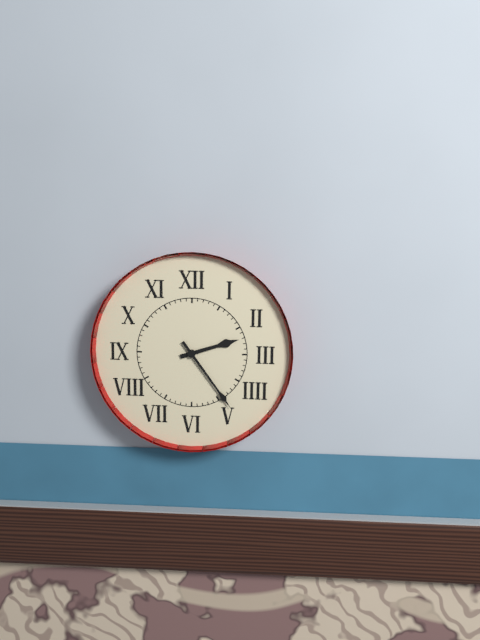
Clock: 2.24
